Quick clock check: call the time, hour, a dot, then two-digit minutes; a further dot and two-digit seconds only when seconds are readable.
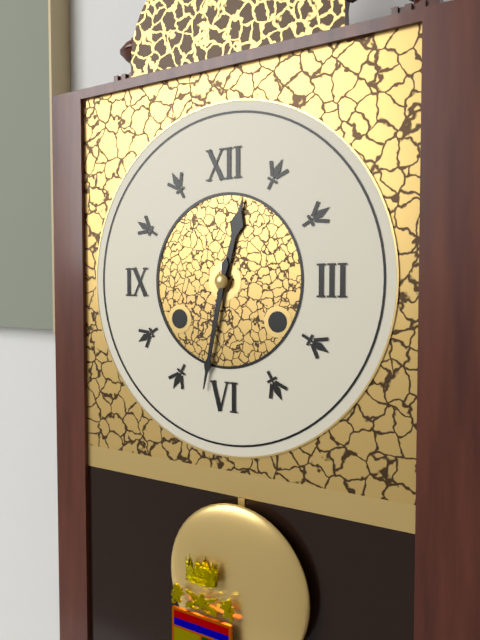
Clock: 12.32
